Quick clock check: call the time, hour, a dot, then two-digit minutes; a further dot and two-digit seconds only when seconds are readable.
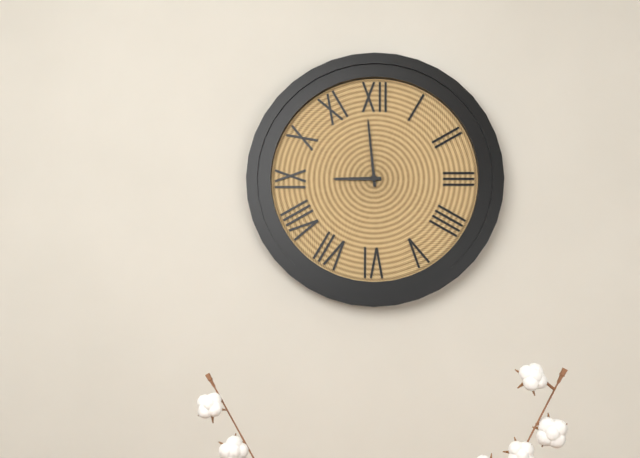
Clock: 8.59
